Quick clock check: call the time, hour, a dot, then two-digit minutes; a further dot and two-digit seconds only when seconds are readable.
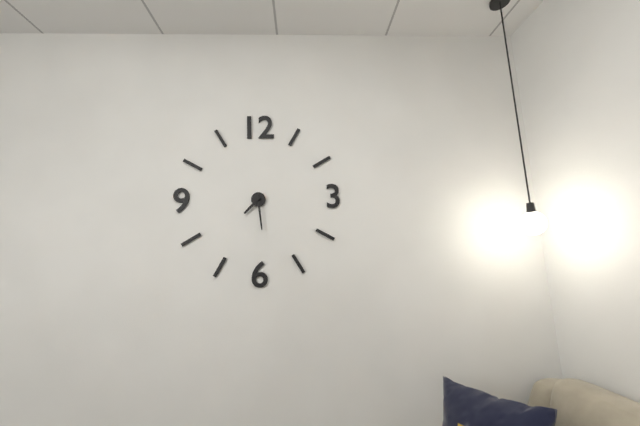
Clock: 7.29
